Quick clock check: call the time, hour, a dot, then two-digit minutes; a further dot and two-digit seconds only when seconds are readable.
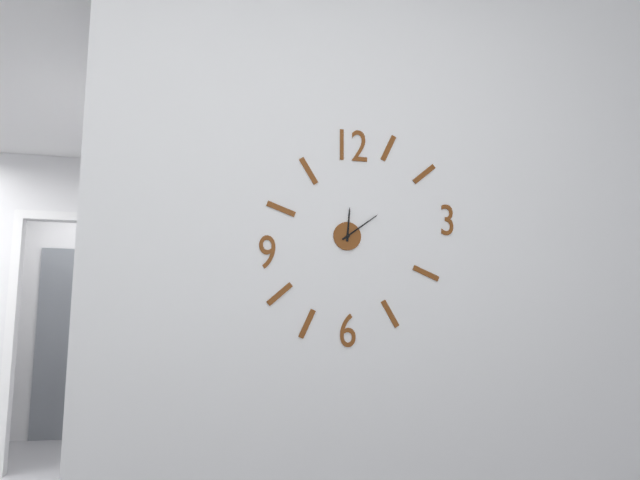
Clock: 12.09
